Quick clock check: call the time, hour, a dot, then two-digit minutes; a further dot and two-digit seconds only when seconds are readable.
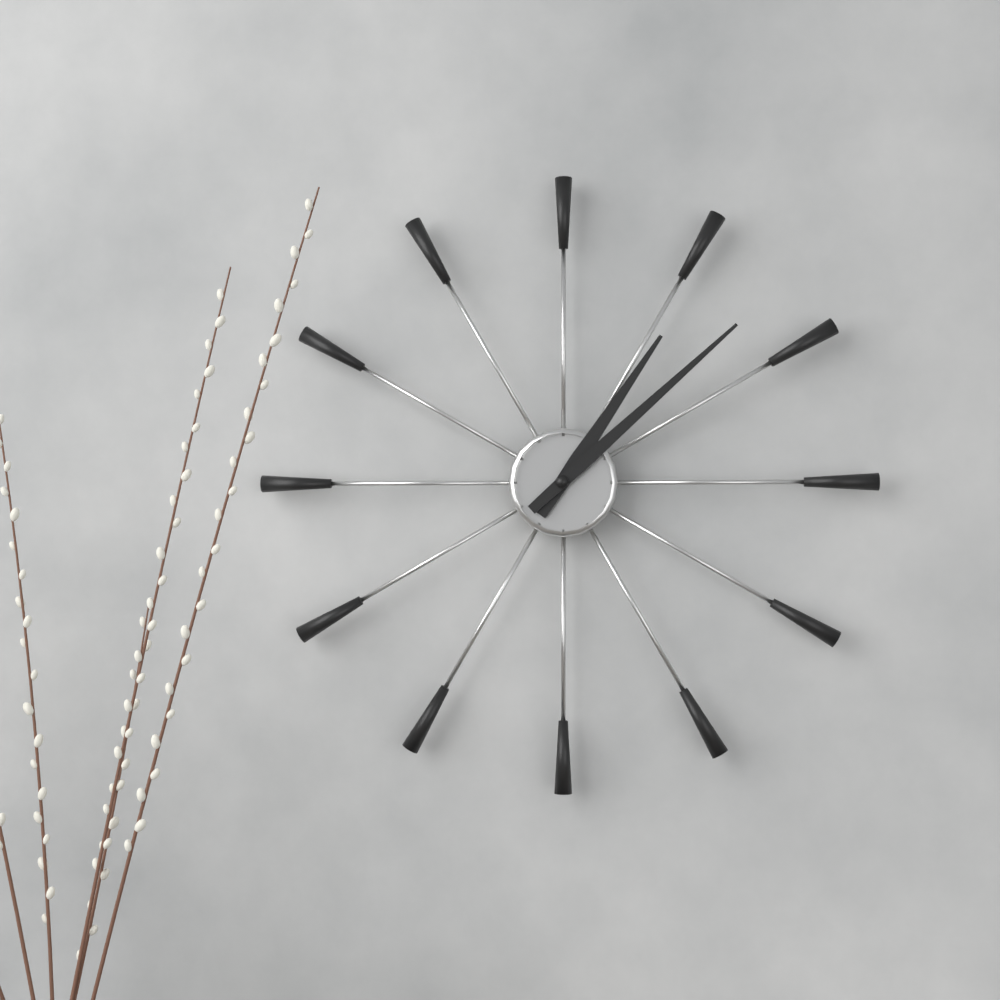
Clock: 1.08
